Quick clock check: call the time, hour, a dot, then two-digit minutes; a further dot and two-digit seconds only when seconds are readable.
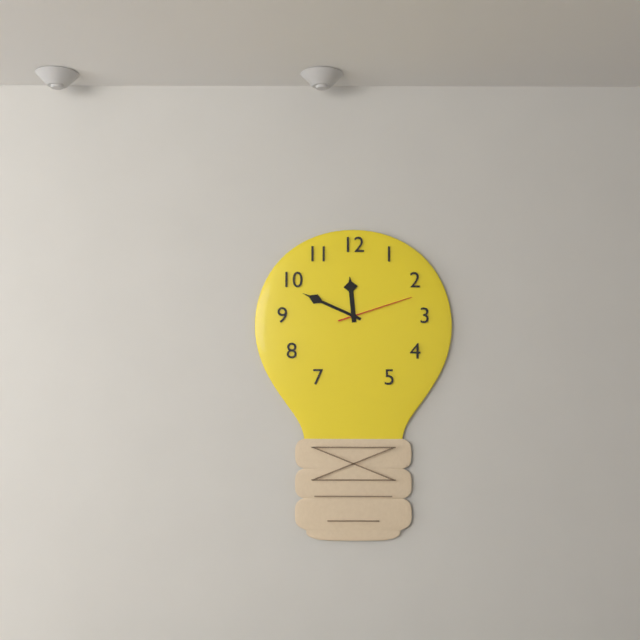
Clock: 11.49.12
